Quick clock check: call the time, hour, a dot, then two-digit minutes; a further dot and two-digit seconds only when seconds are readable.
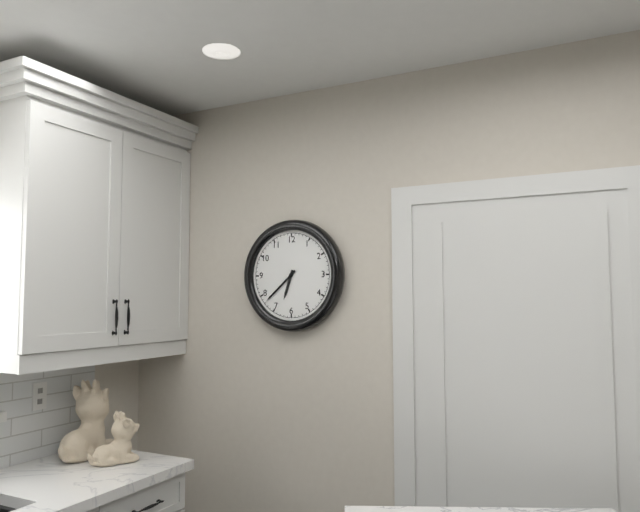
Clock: 6.38
